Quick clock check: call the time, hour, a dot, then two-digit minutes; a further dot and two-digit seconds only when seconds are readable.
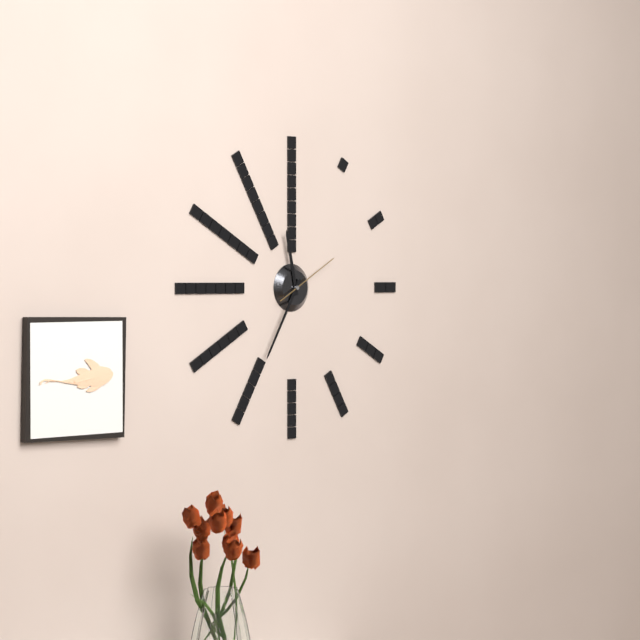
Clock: 11.35.10
